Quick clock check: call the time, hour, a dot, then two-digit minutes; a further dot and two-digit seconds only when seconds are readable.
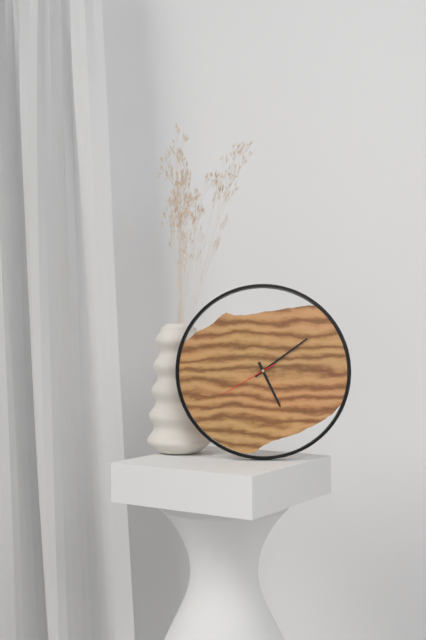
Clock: 5.09.40
